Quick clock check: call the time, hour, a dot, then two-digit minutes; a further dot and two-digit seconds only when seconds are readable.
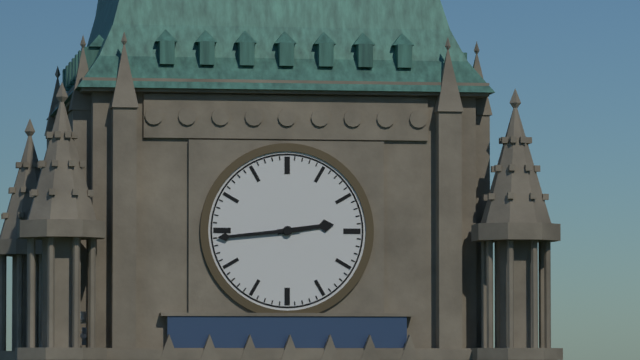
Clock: 2.44
